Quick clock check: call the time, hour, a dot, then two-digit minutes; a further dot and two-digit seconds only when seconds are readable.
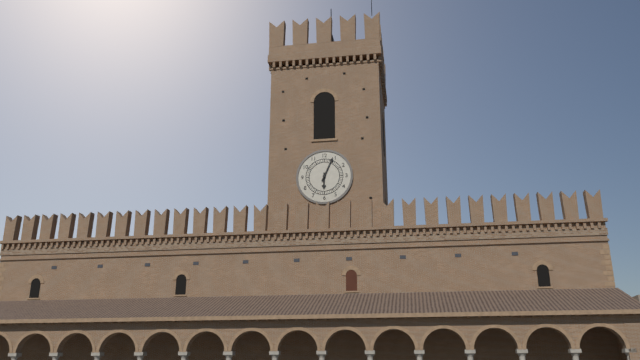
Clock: 6.04
